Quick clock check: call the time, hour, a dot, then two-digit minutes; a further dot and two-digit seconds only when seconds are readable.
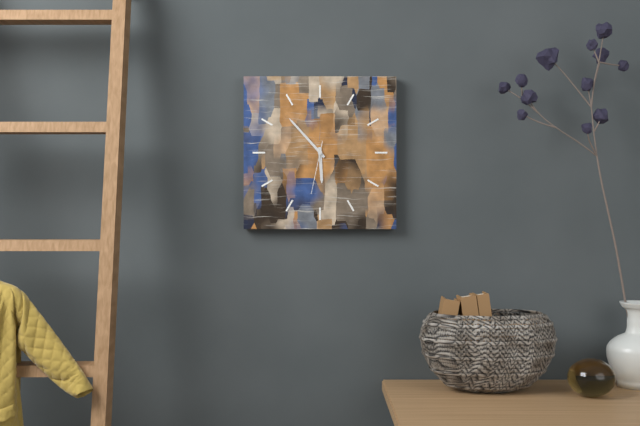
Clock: 5.53.32
